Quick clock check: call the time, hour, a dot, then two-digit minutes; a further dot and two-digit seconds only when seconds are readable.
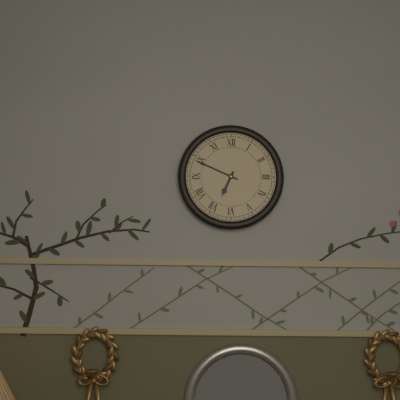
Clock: 6.49
